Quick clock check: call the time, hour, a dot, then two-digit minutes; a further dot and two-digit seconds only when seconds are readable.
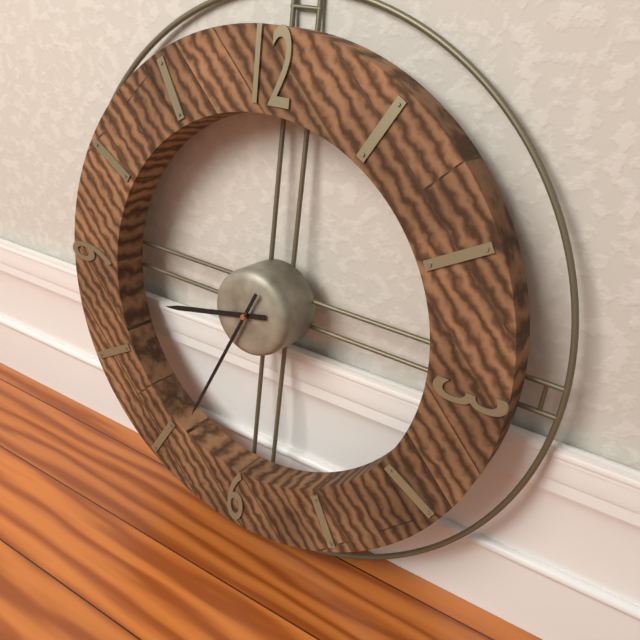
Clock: 8.34
